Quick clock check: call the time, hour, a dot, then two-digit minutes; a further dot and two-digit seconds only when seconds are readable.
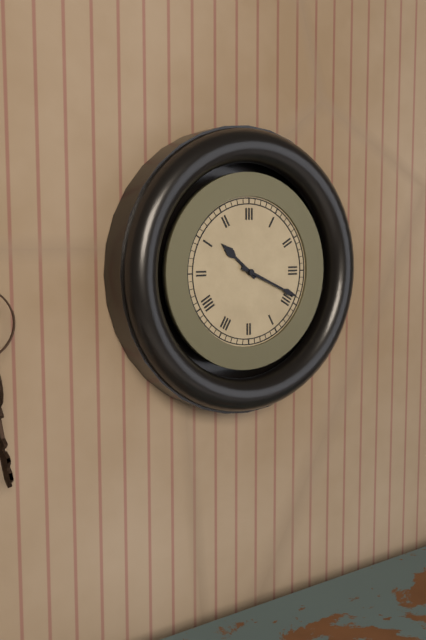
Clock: 10.19
